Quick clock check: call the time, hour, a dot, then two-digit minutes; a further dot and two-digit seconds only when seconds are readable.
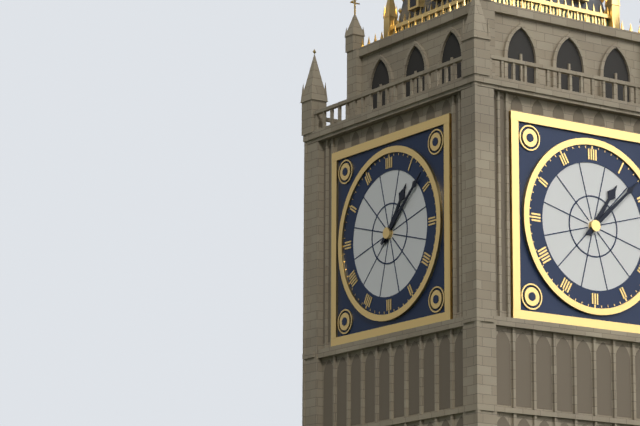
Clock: 1.08
